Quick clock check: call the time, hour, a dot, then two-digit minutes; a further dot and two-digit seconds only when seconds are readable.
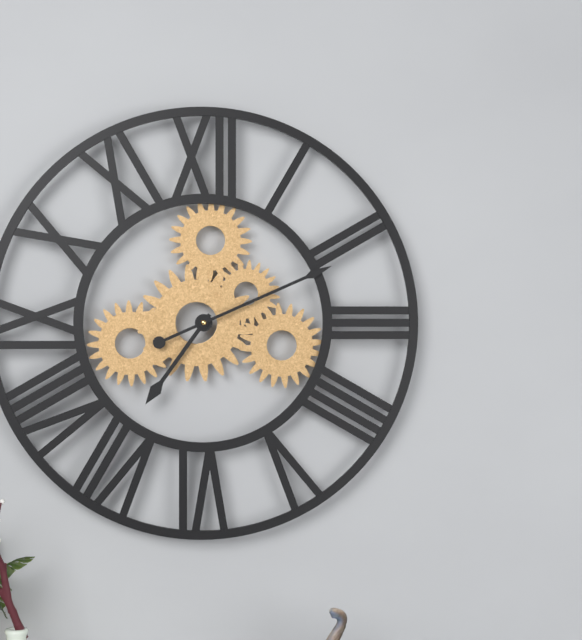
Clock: 7.11
